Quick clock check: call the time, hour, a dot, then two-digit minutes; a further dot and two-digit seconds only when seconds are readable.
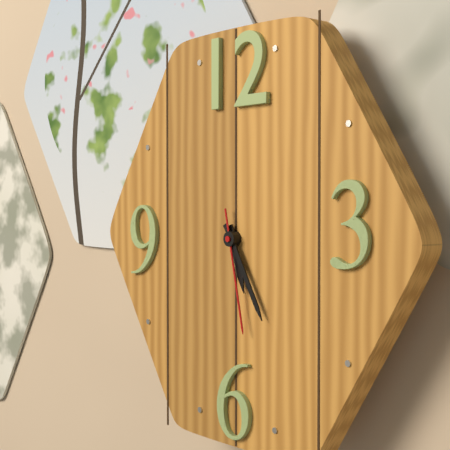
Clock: 5.25.28
